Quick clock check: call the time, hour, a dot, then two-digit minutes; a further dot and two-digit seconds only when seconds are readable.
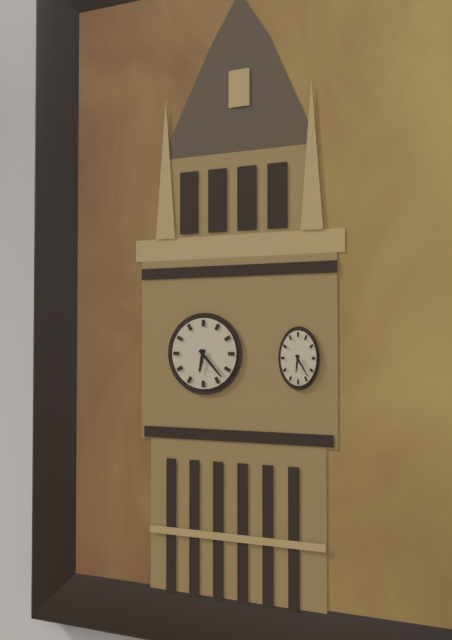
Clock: 6.23
